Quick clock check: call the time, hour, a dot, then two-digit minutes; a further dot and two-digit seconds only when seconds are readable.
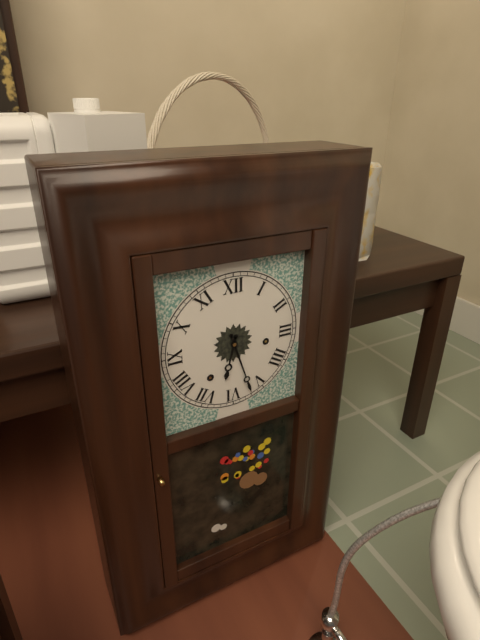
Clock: 6.27
